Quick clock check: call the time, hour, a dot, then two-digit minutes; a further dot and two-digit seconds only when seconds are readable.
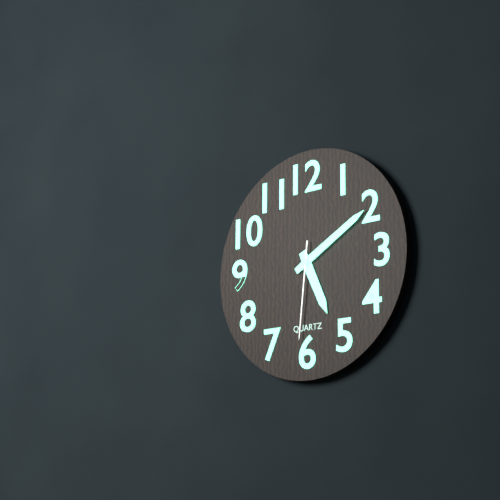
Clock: 5.10.31
